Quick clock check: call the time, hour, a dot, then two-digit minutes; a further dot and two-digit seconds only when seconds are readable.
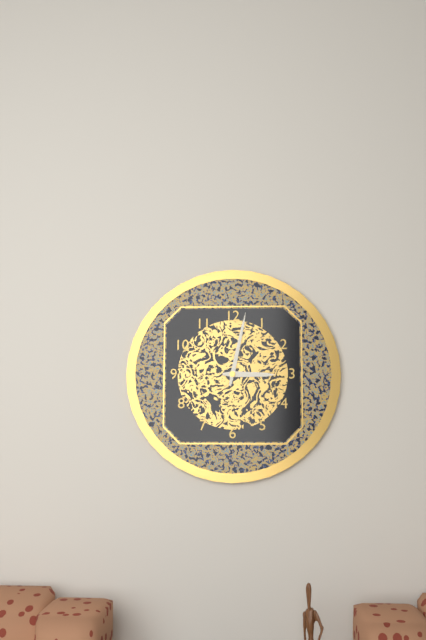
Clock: 3.02
